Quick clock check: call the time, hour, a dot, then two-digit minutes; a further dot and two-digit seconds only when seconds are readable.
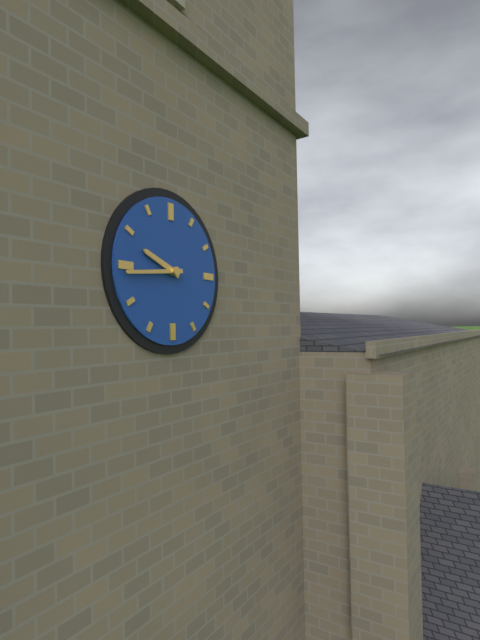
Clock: 9.44
